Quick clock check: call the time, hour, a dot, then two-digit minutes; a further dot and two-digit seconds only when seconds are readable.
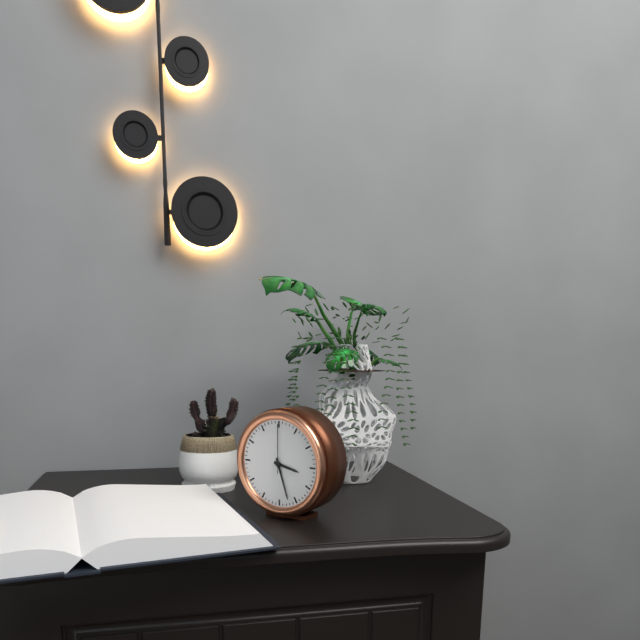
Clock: 3.27
